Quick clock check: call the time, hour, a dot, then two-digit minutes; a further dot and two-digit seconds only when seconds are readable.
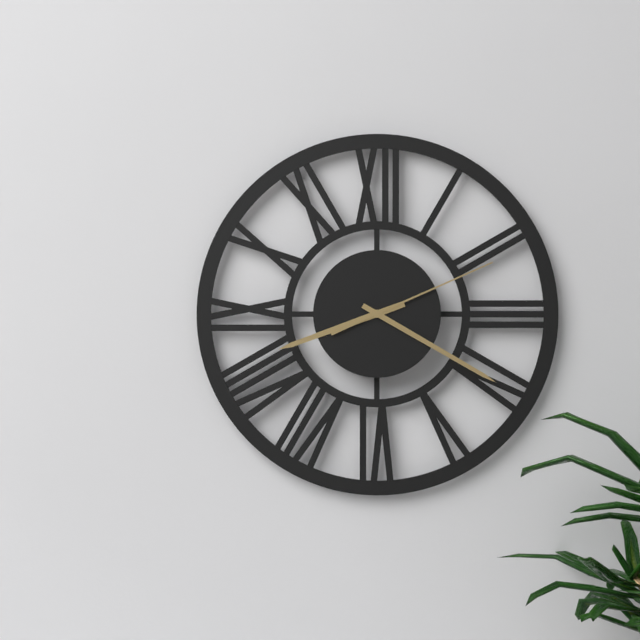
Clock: 8.20.11
